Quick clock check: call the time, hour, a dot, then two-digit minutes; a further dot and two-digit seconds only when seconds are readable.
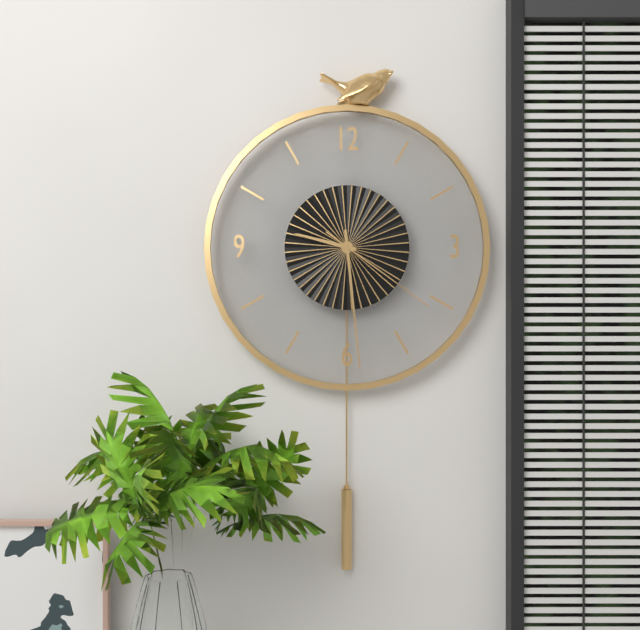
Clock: 9.29.21
